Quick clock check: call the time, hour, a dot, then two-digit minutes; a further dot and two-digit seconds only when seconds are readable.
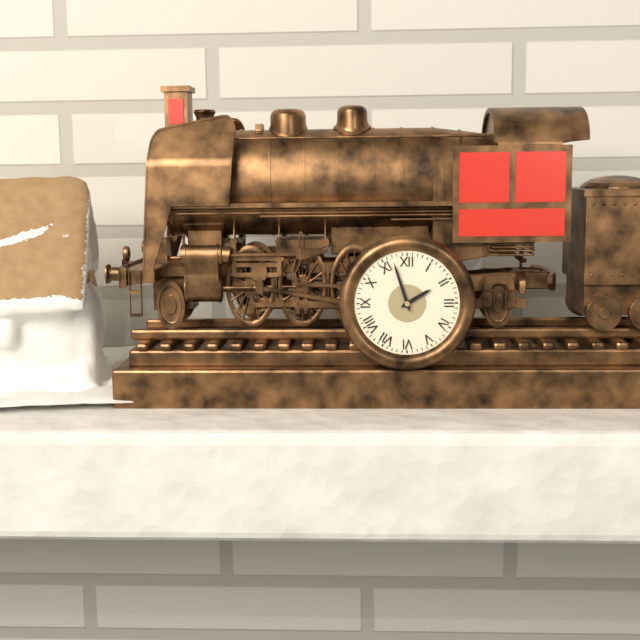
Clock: 1.57
